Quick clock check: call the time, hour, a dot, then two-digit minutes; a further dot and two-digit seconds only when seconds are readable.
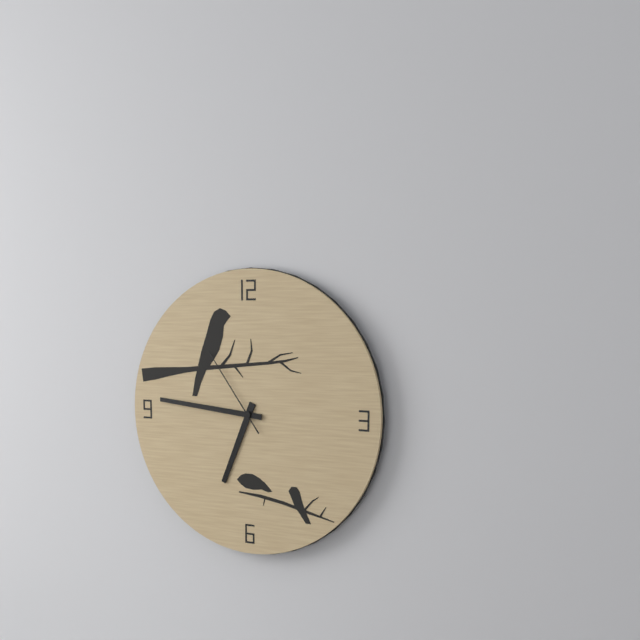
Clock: 6.46.54
